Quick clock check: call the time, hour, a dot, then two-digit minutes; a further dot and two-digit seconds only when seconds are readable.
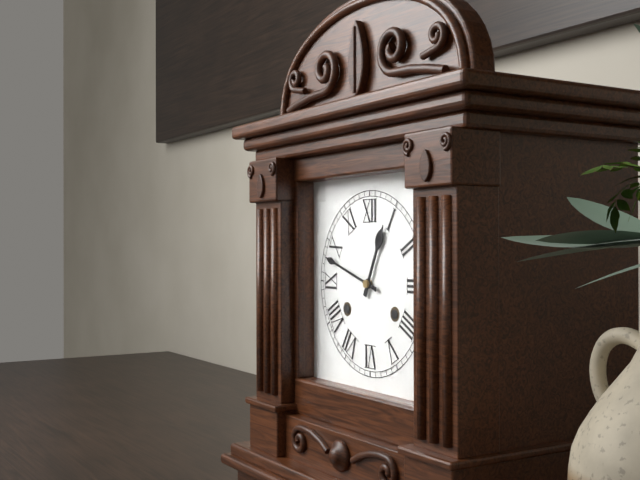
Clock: 12.48
